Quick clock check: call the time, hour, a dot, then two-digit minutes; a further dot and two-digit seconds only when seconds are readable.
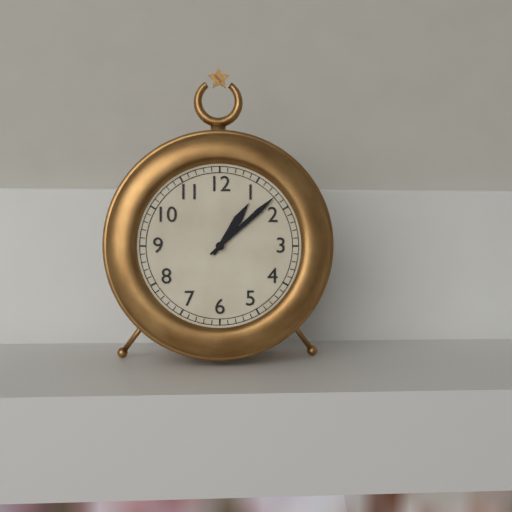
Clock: 1.08
